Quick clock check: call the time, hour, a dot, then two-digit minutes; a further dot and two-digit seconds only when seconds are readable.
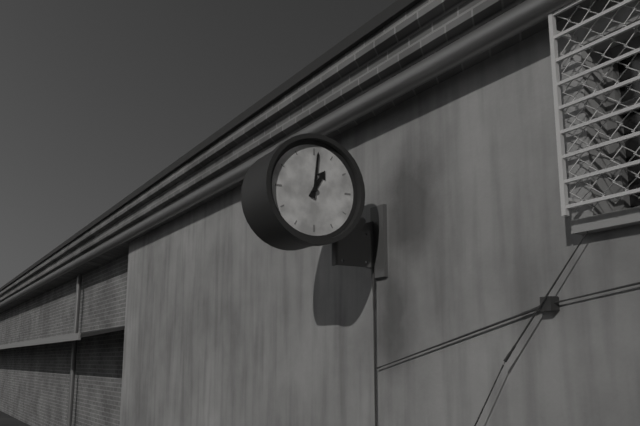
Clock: 1.01
